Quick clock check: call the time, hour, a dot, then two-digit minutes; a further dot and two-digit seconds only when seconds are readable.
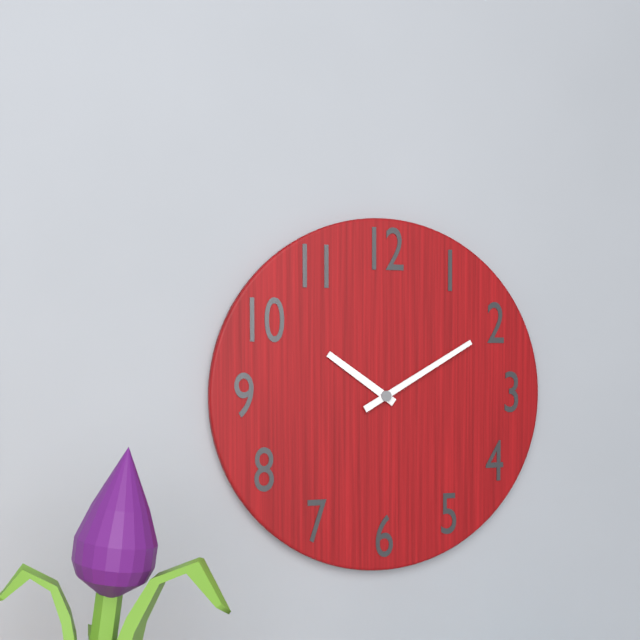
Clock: 10.10
